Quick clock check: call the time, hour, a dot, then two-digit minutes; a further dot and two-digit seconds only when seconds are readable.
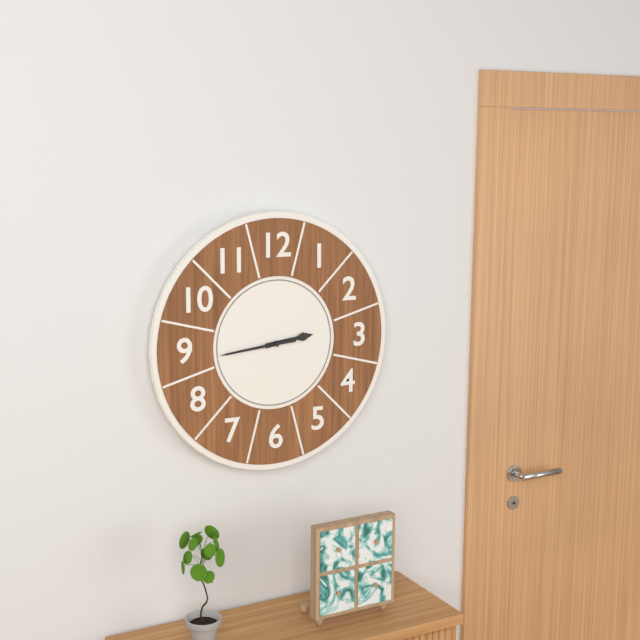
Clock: 2.44
